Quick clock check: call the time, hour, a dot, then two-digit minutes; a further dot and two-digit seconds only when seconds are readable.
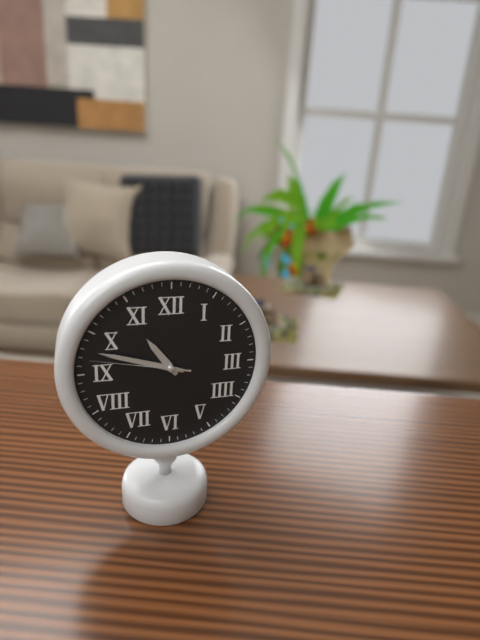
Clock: 10.48.47
